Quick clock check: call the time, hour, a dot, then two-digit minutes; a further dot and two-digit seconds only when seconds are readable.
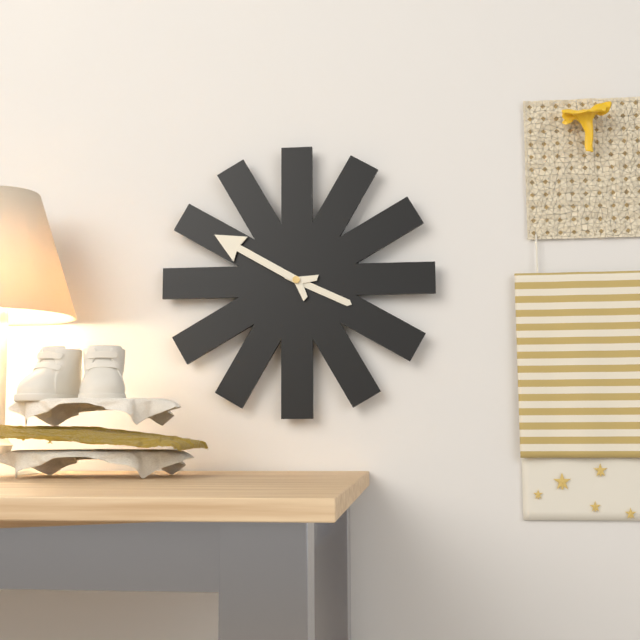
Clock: 3.50
